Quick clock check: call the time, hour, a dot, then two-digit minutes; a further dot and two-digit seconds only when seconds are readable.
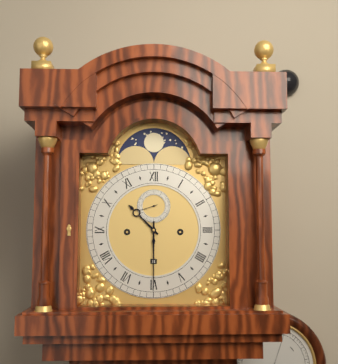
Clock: 10.30
